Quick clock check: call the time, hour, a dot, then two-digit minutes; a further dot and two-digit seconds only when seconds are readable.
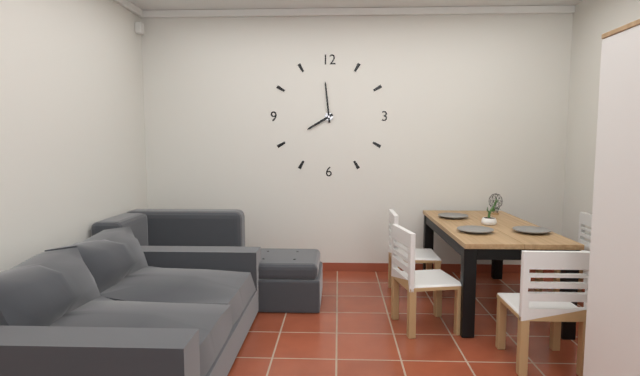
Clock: 7.59
